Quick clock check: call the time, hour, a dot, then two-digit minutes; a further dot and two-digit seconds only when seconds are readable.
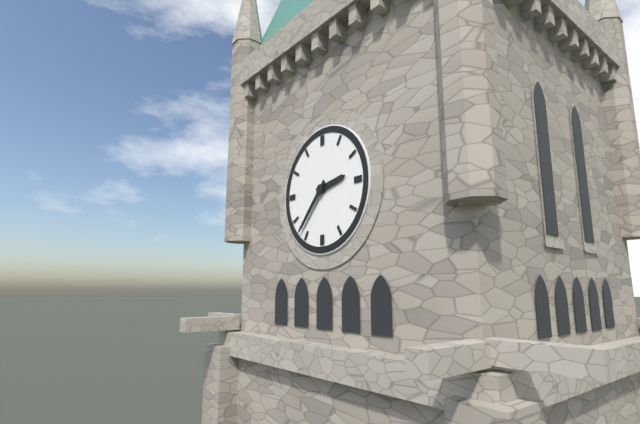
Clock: 2.37
